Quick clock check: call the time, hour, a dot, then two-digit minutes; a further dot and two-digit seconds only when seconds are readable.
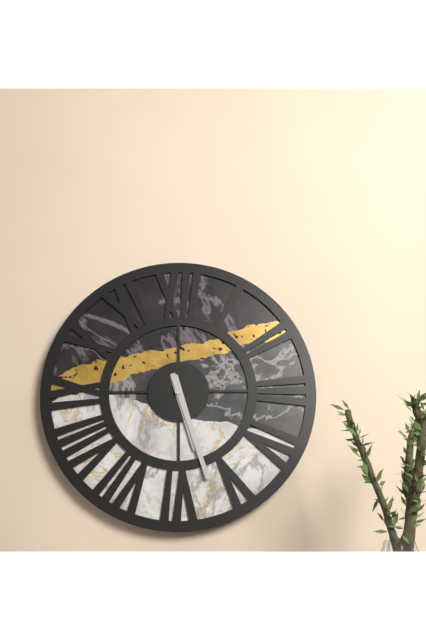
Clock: 5.27
